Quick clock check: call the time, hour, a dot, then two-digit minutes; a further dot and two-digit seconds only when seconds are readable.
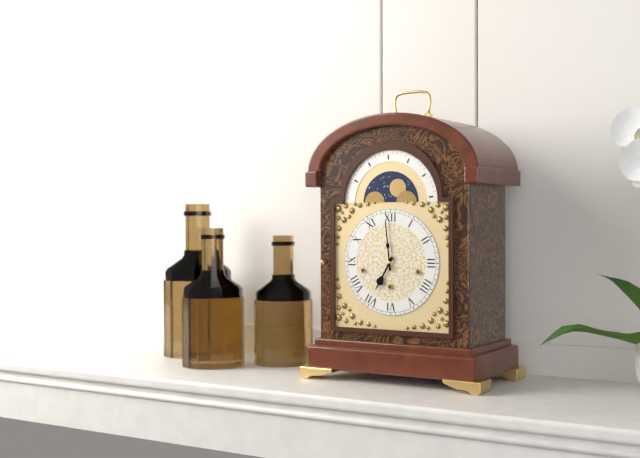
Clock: 6.59
